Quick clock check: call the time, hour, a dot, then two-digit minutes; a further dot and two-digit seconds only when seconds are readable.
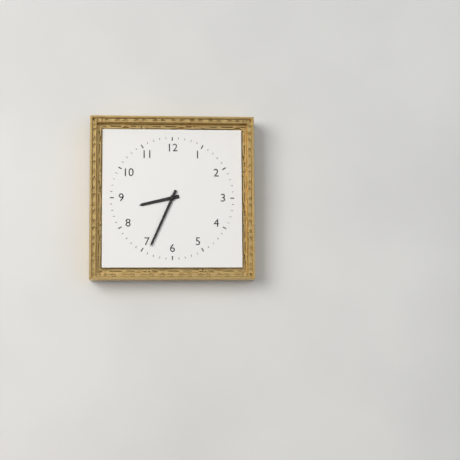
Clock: 8.34
